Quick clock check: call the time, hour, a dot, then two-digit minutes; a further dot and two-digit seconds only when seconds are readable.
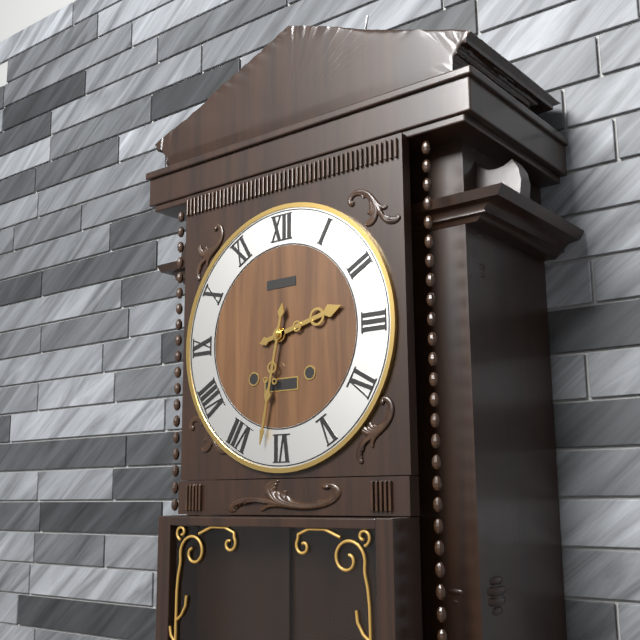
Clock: 2.32
